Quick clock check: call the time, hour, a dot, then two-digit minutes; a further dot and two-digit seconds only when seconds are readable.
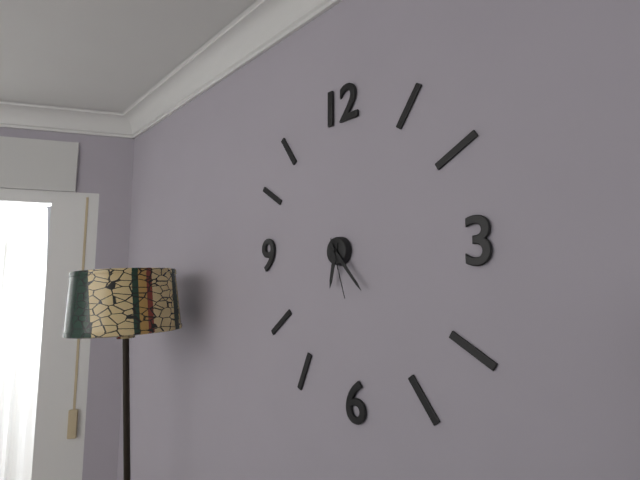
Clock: 6.23.27
